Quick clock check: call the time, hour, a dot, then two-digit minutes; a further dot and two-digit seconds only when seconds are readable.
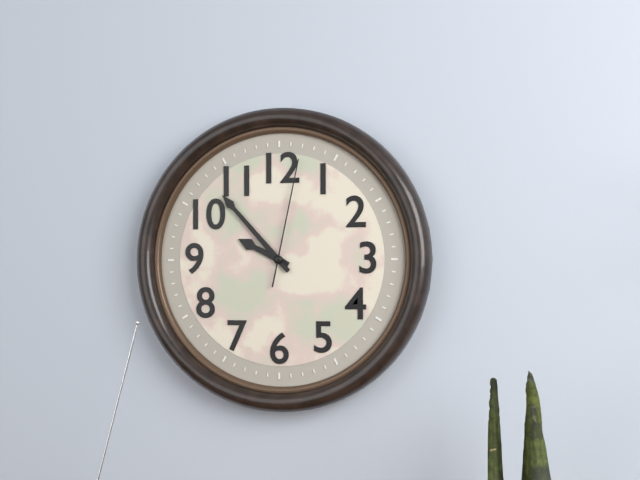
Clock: 9.53.02
